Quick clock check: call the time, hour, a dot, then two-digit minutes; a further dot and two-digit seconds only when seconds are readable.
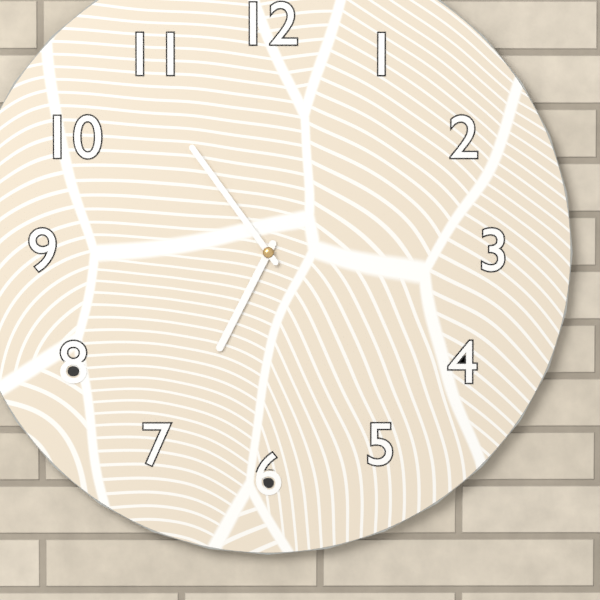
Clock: 6.54
